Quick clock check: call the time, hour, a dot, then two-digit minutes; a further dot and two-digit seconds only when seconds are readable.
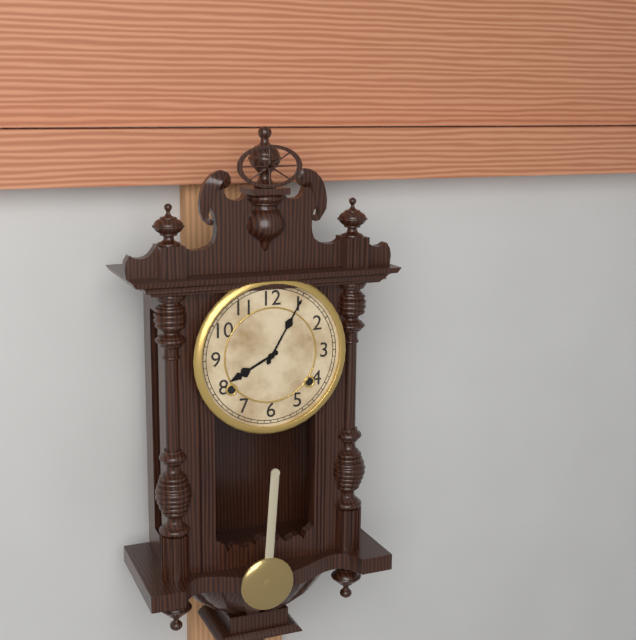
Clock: 8.05
